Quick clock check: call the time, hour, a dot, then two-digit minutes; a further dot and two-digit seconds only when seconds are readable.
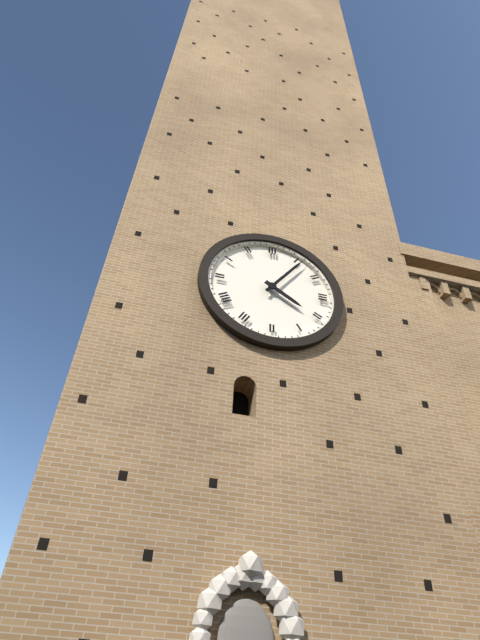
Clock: 4.06
